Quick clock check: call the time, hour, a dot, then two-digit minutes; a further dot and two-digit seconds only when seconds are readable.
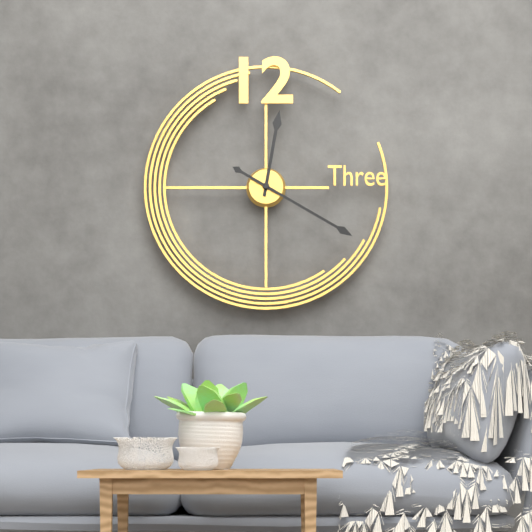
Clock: 12.20
